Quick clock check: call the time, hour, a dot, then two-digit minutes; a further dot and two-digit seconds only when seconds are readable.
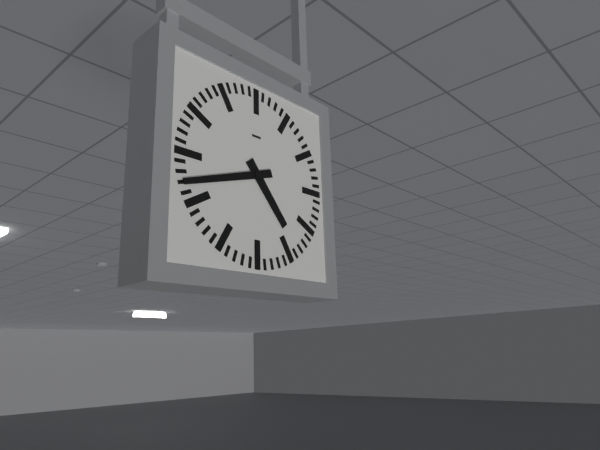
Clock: 4.42
